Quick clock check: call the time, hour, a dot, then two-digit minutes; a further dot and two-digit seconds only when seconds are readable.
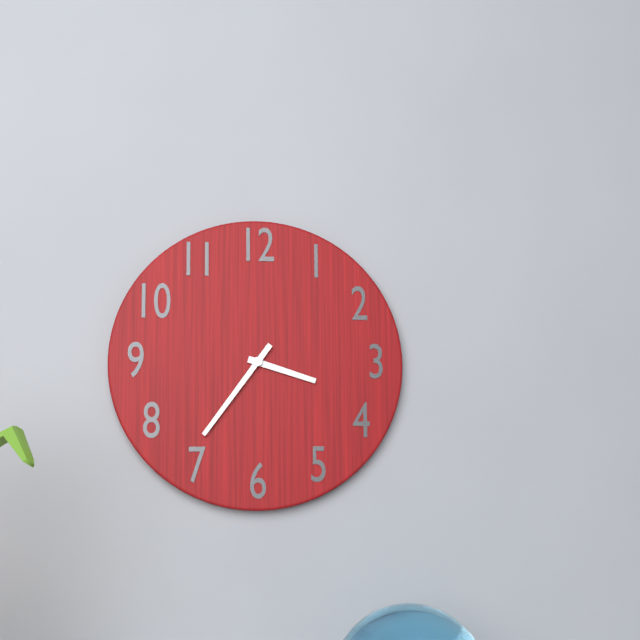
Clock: 3.36
